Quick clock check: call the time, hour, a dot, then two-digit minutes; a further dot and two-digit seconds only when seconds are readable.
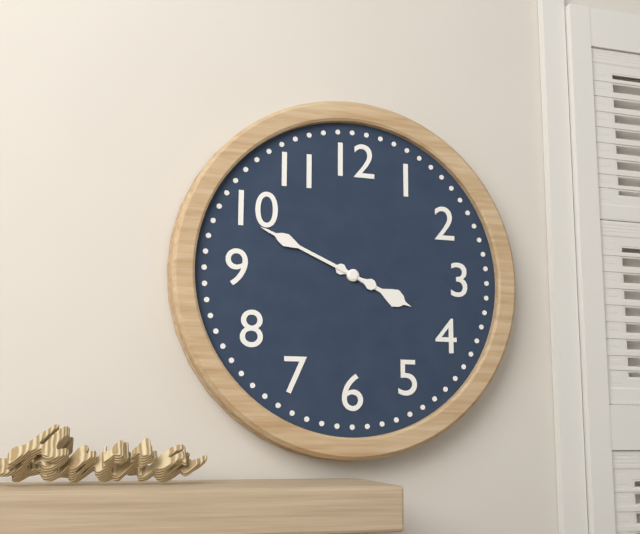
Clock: 3.49
